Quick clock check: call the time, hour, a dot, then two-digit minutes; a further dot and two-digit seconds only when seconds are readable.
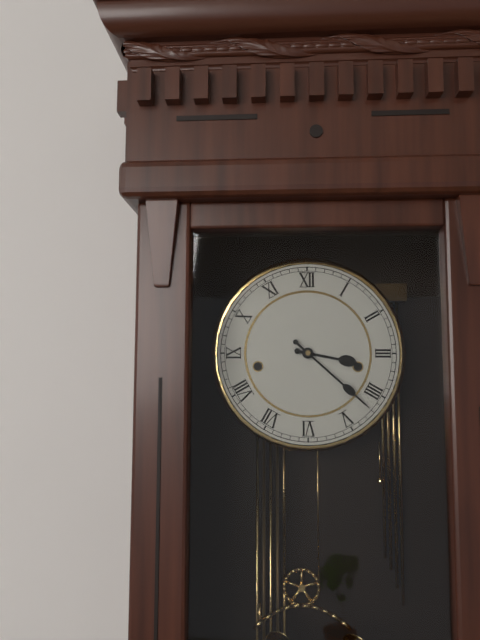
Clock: 3.22
